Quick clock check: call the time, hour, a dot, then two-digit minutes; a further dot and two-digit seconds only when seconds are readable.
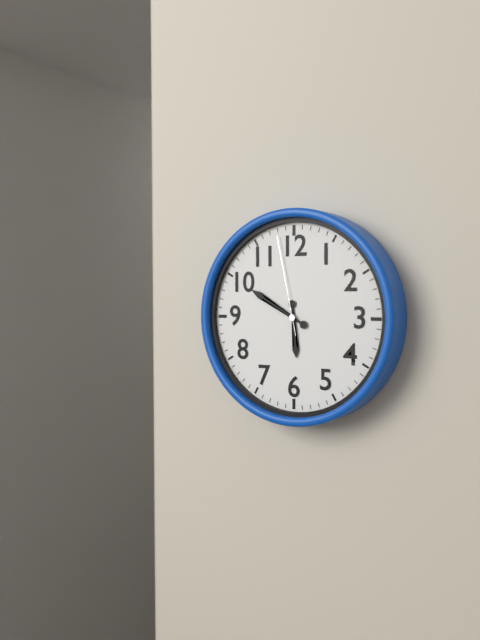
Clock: 5.50.58
